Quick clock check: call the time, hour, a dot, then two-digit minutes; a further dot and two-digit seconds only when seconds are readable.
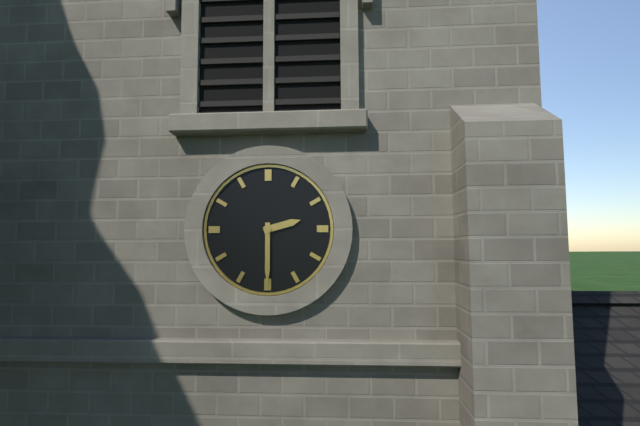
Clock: 2.30
